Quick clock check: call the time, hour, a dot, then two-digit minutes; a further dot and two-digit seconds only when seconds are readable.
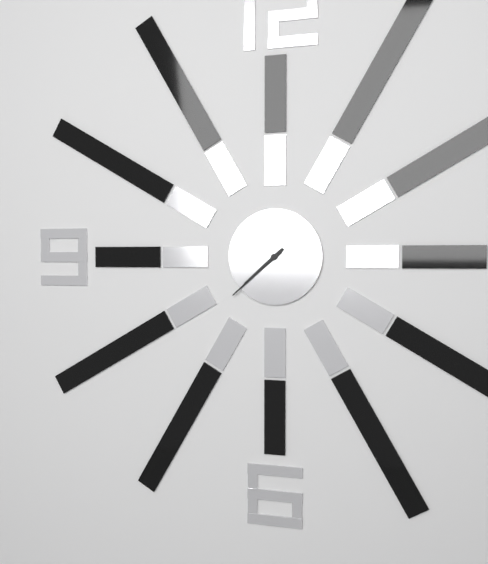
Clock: 7.38
